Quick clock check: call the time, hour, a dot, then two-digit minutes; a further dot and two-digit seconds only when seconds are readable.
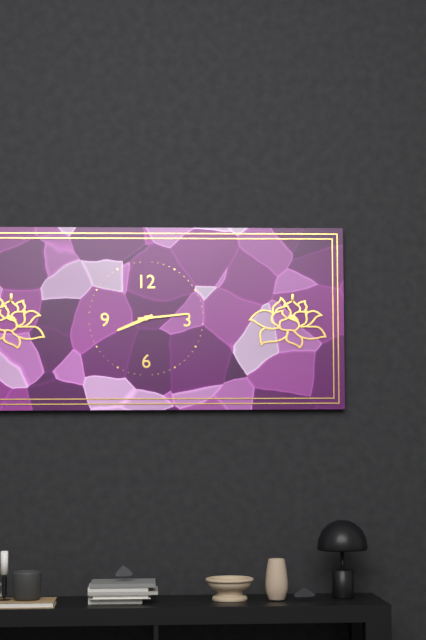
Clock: 8.14
